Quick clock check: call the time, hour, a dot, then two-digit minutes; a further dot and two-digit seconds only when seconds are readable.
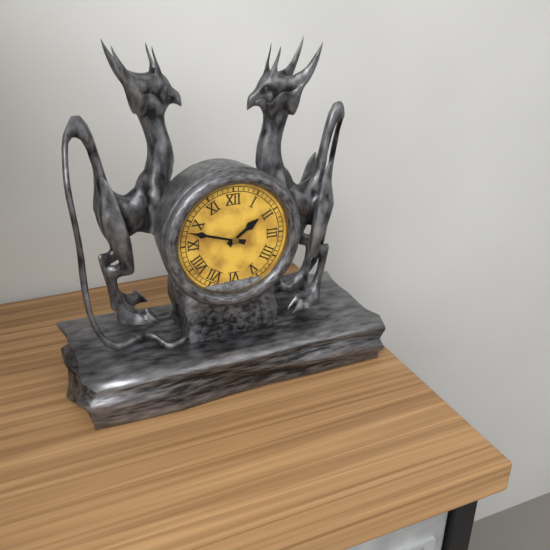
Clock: 1.48
